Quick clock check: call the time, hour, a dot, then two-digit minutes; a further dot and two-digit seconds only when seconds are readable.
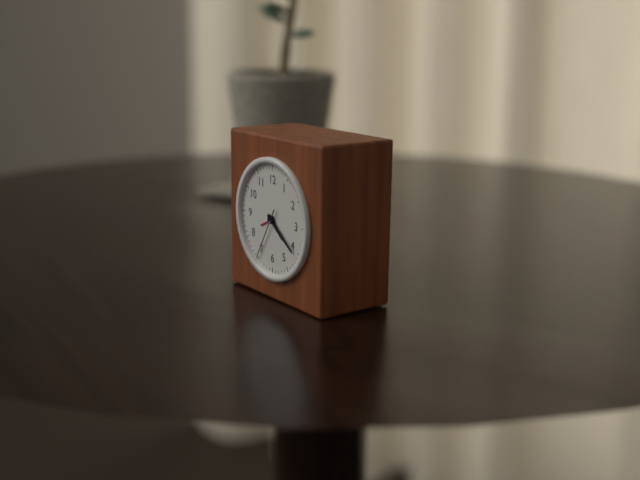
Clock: 4.21.35
